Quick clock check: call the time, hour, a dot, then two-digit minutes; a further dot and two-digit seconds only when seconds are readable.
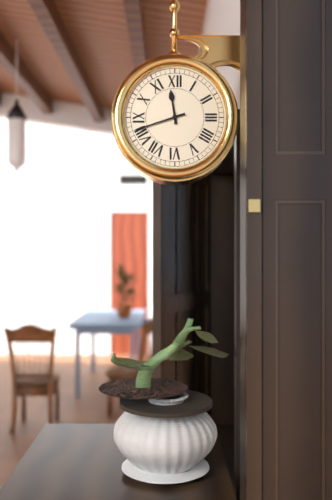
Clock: 11.42
